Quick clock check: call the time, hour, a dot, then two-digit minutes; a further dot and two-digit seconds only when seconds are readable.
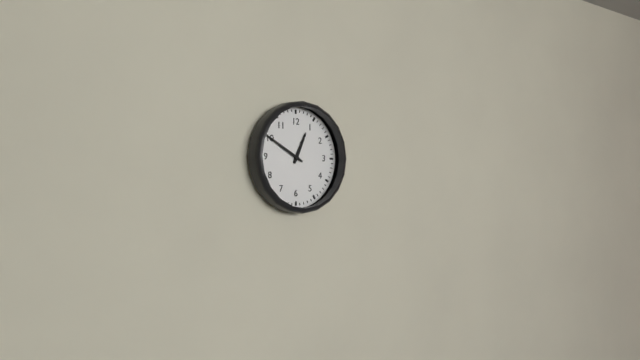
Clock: 12.50
